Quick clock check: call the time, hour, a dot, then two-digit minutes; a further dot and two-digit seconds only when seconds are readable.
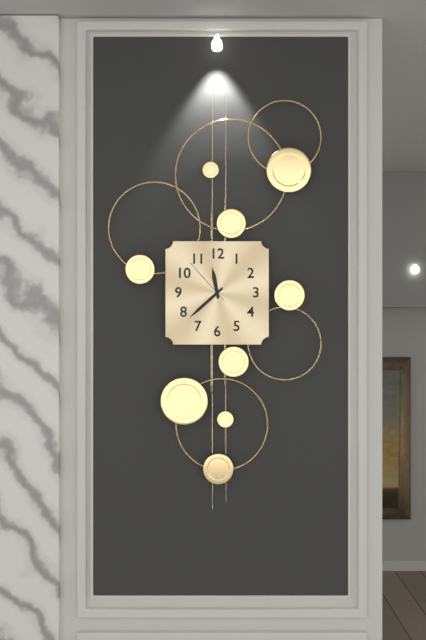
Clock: 11.38.53
